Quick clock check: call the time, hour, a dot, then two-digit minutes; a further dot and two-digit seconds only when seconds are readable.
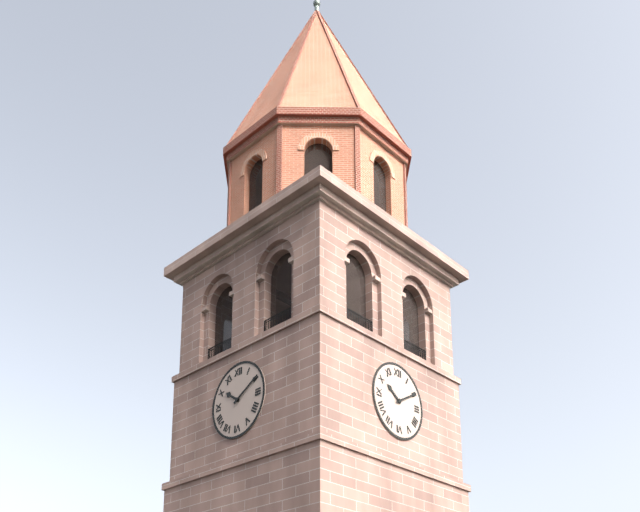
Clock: 10.10
